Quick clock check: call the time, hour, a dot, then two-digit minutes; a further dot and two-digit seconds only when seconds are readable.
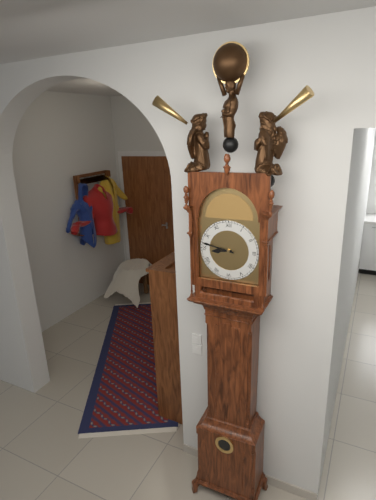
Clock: 8.47
